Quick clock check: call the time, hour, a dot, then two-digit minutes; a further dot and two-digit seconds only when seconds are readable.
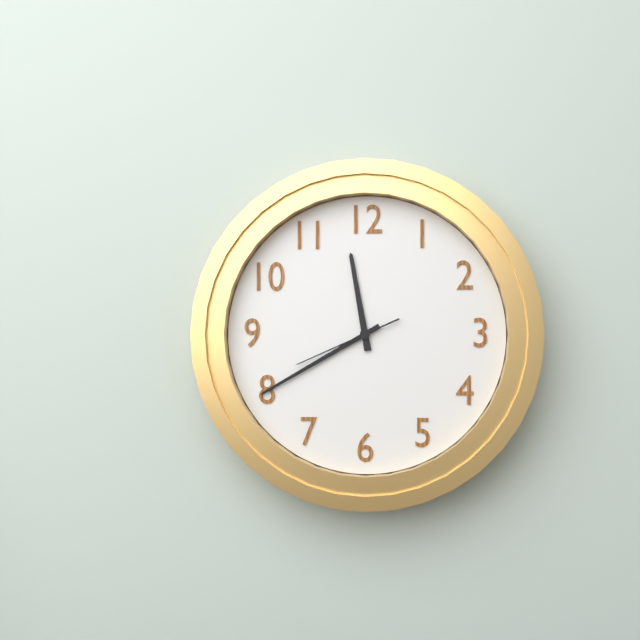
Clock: 11.40.41
